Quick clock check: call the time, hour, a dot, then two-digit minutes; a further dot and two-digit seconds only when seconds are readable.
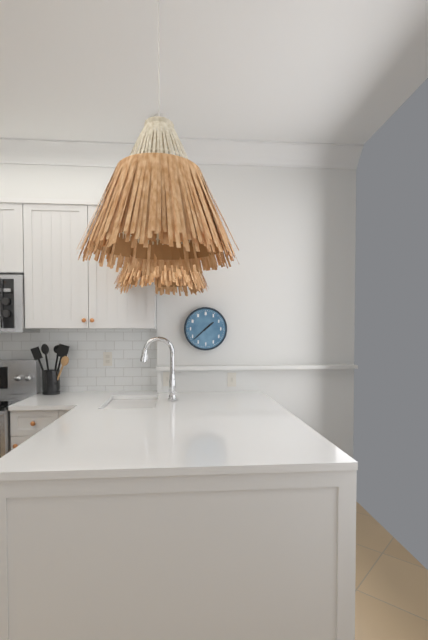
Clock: 1.38
